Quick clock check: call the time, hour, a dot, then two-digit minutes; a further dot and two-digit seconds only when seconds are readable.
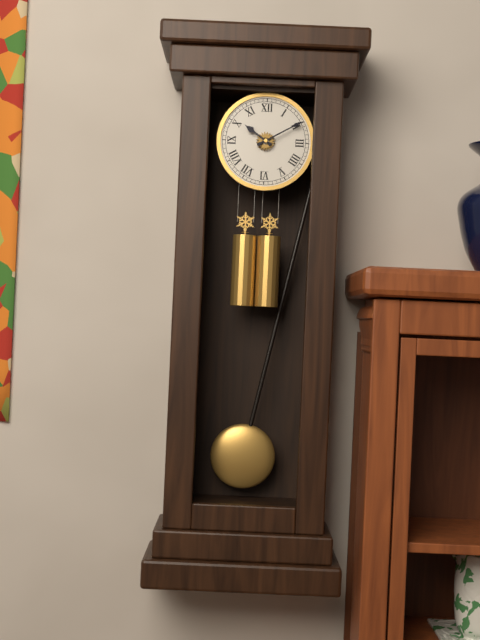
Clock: 10.10
